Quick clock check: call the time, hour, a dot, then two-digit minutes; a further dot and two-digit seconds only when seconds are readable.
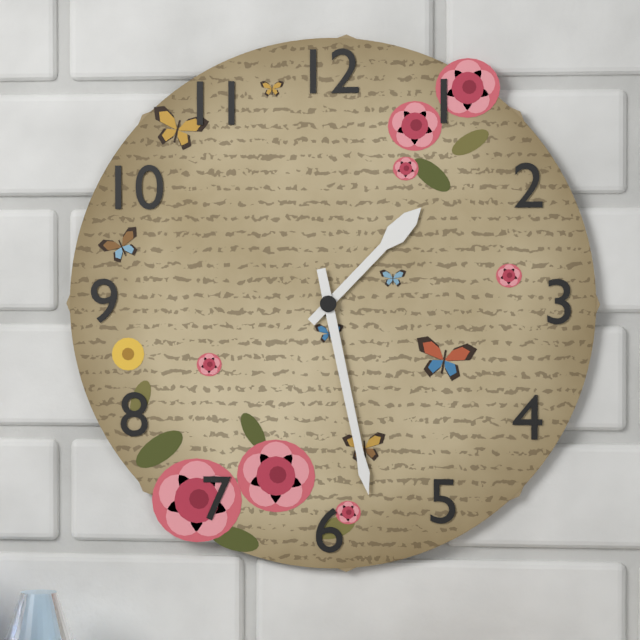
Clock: 1.28
